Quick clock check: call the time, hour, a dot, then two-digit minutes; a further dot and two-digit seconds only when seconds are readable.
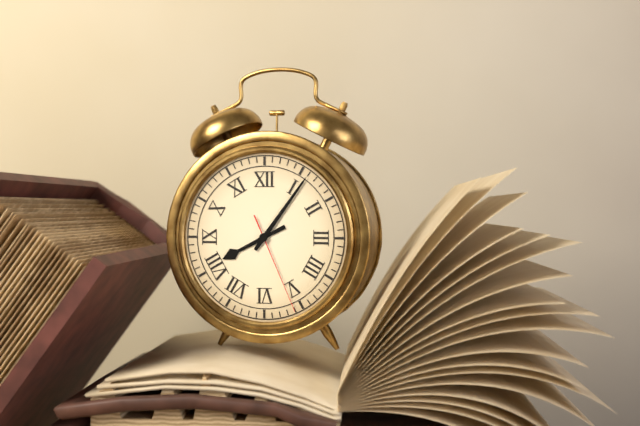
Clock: 8.06.26
